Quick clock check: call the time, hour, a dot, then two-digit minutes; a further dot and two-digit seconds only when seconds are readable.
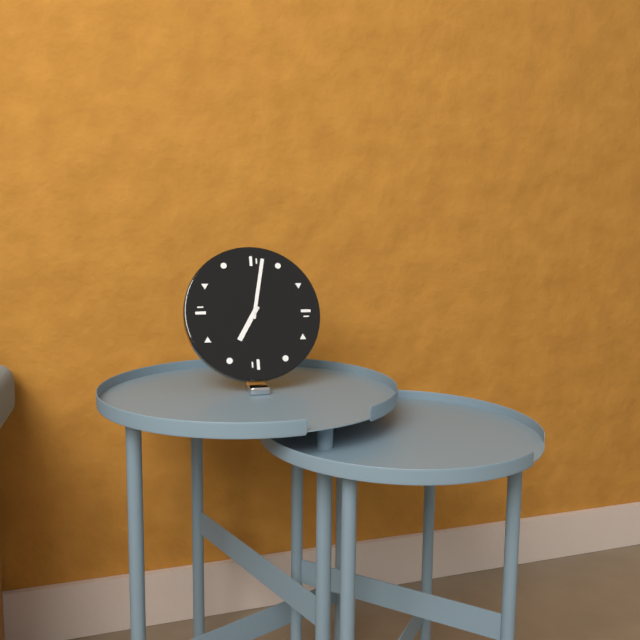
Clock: 7.02
